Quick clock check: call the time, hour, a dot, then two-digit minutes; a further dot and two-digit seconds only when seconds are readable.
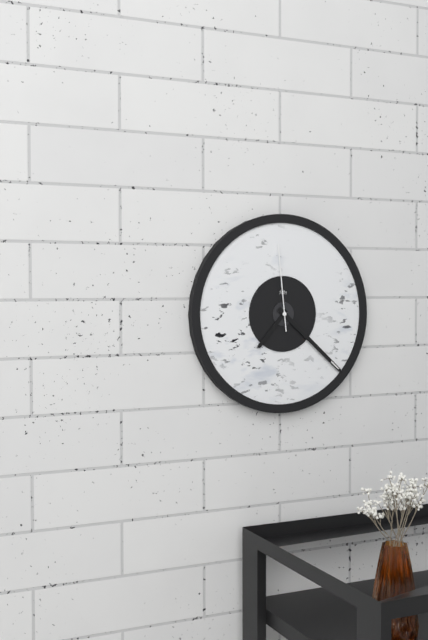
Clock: 7.22.59
